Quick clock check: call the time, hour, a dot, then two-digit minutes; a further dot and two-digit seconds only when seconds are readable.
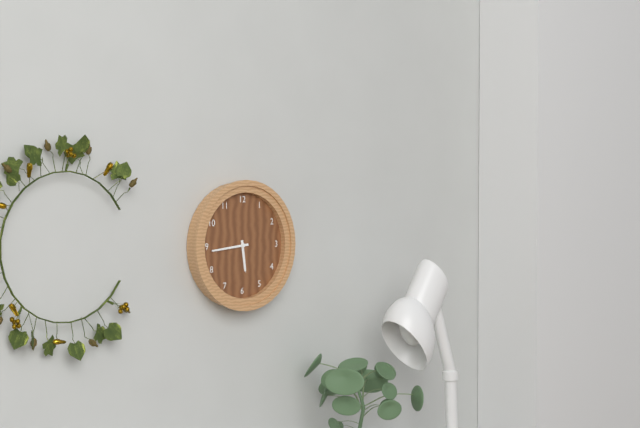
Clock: 5.44
